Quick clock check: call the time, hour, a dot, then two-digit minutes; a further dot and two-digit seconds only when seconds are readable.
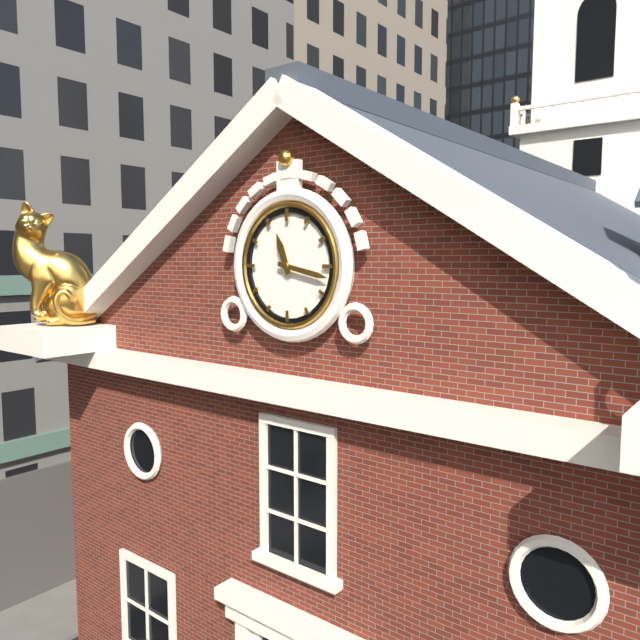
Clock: 11.17
